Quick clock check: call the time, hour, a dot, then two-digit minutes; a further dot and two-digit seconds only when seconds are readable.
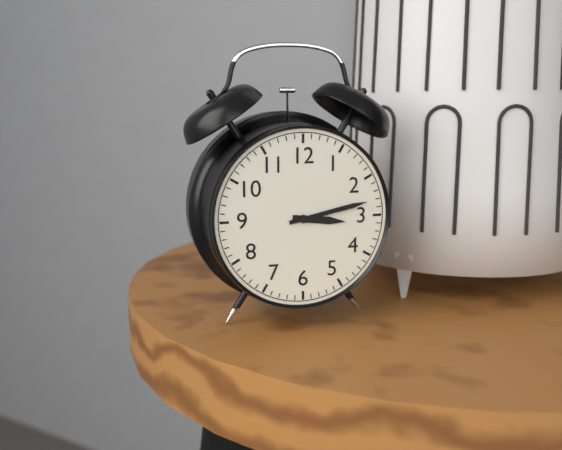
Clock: 3.13
